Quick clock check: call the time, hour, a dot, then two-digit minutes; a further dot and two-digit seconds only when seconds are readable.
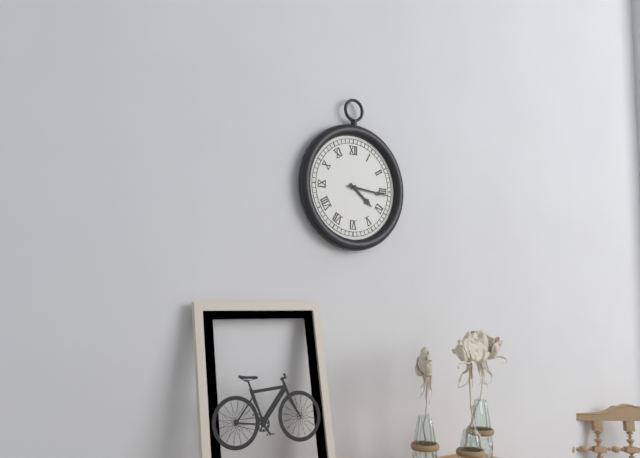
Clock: 4.16
